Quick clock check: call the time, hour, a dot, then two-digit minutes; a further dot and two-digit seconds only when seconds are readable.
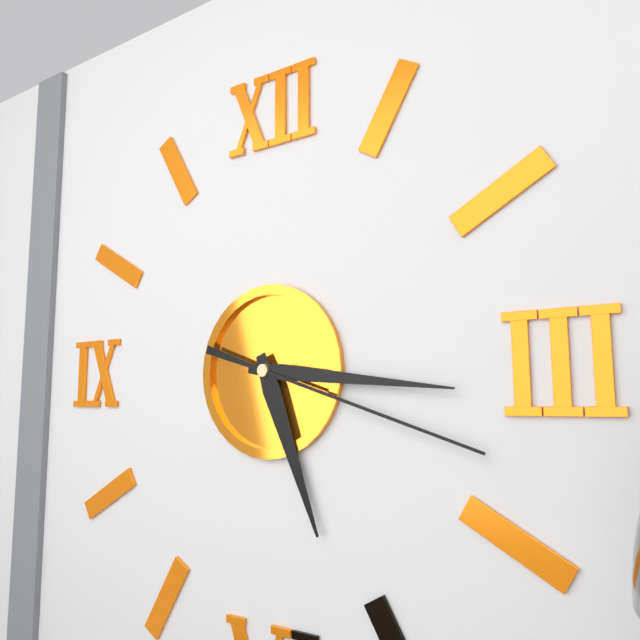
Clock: 5.16.18
